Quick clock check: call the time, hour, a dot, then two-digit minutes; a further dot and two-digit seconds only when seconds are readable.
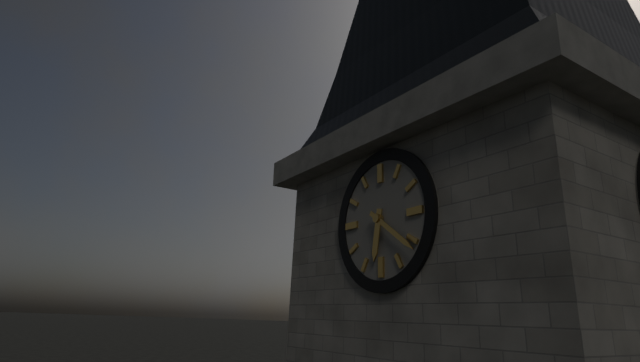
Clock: 6.21
